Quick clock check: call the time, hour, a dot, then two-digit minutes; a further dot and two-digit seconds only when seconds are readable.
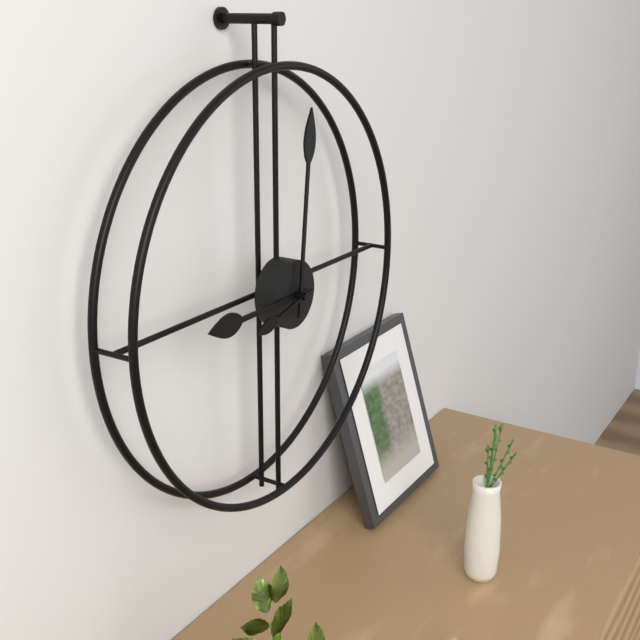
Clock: 9.01.43
